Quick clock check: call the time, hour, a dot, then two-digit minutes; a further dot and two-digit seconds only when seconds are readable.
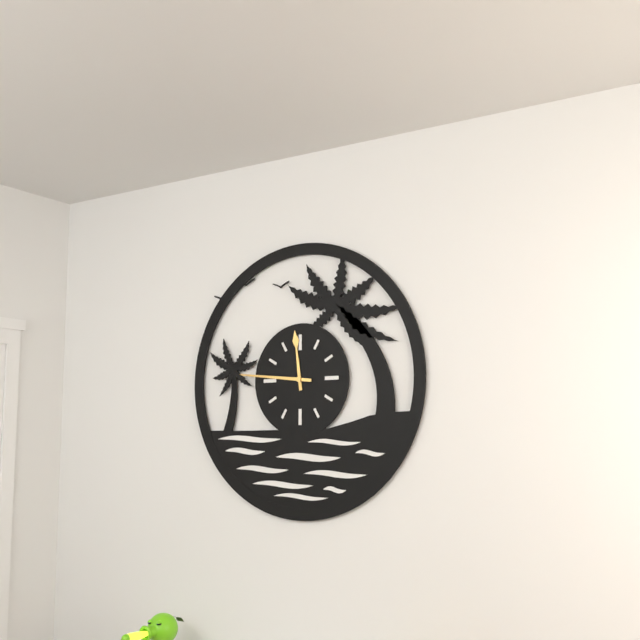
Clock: 11.46
